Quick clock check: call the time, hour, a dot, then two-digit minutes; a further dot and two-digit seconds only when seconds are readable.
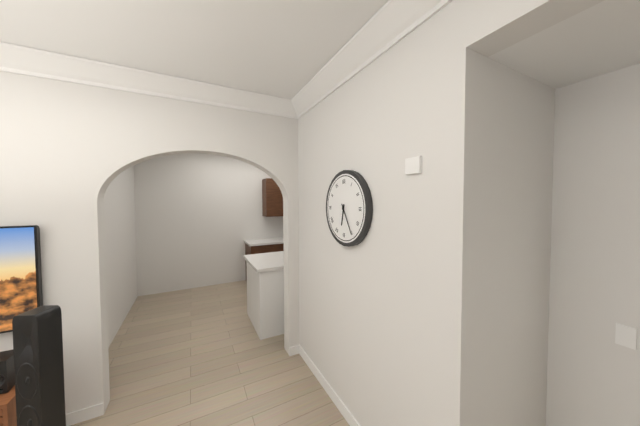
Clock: 6.25
